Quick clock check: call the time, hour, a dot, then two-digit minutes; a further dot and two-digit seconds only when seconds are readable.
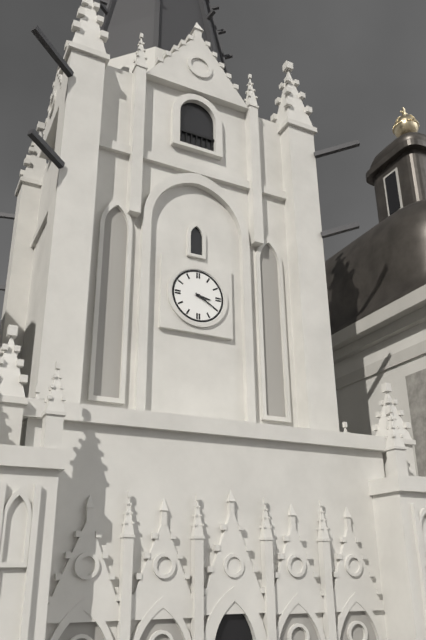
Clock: 3.20
